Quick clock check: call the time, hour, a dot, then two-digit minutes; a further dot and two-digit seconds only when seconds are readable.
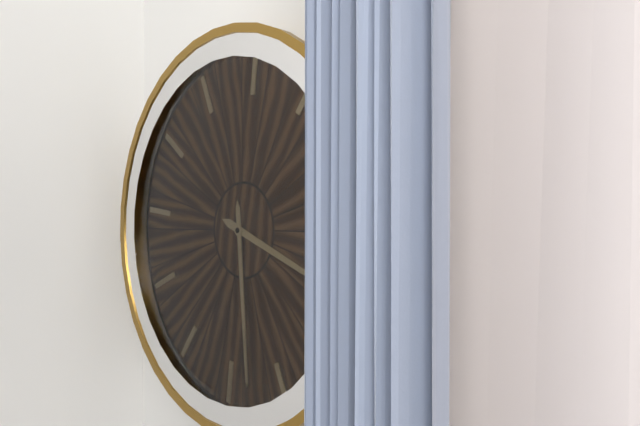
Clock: 3.28
